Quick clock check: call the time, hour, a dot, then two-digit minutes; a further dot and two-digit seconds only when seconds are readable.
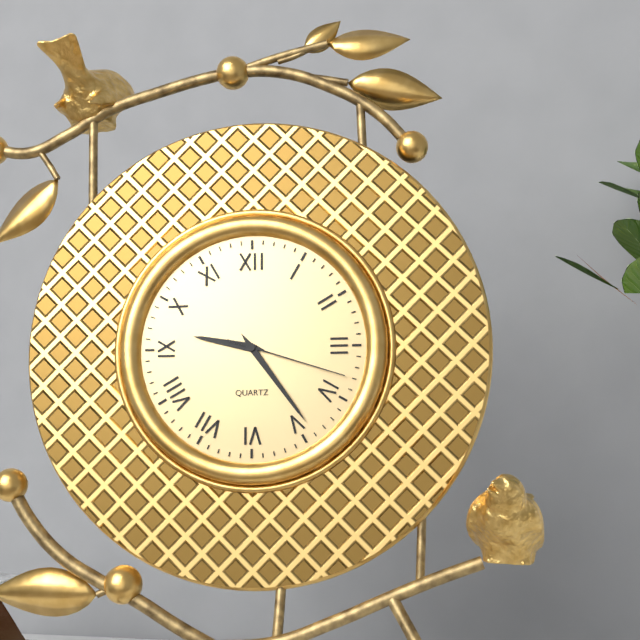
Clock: 9.24.18
